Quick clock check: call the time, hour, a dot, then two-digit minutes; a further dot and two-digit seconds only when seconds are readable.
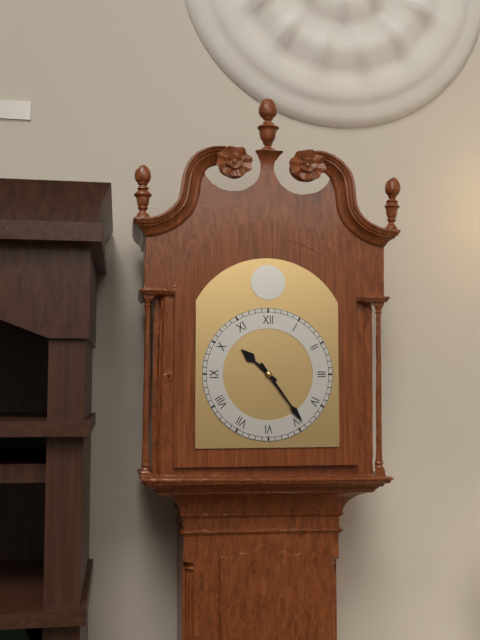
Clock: 10.24
